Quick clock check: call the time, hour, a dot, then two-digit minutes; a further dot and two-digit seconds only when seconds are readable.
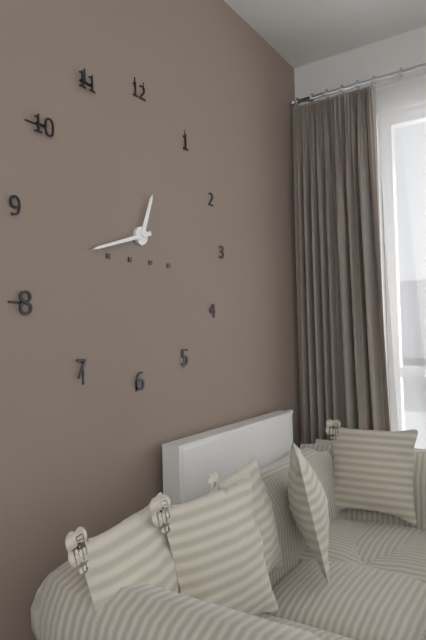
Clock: 12.42
